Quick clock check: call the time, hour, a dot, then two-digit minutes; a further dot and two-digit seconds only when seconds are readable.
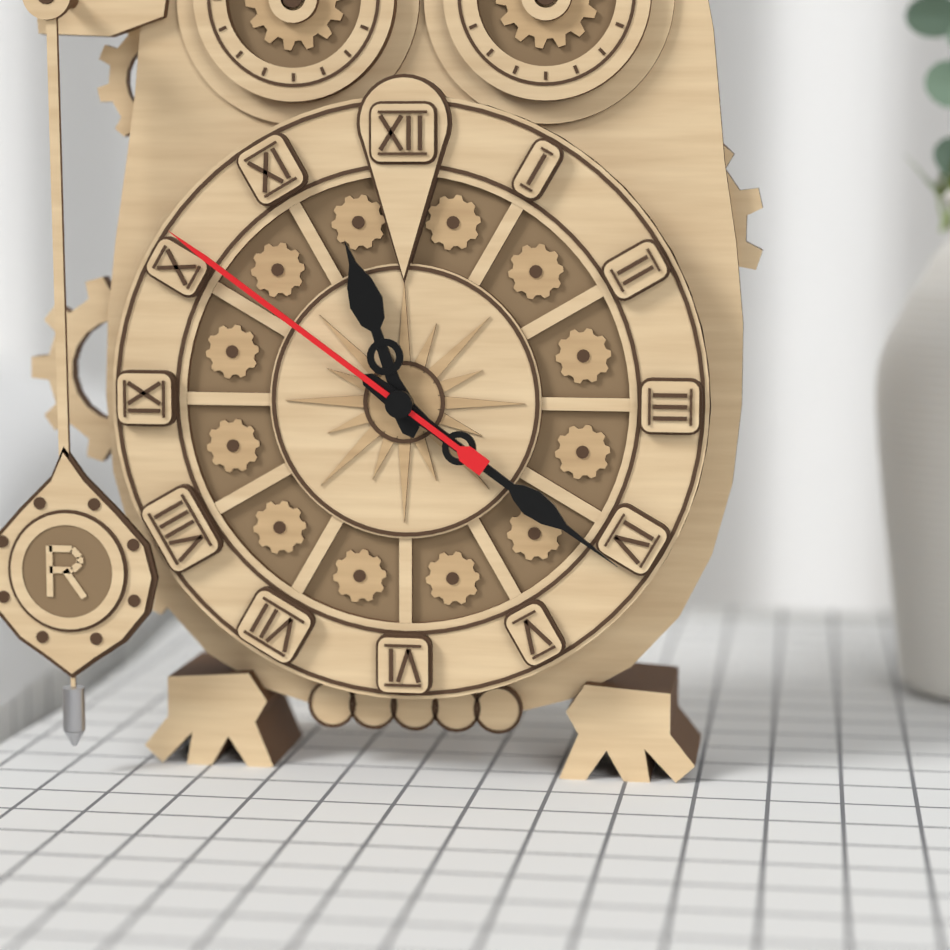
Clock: 11.21.51
